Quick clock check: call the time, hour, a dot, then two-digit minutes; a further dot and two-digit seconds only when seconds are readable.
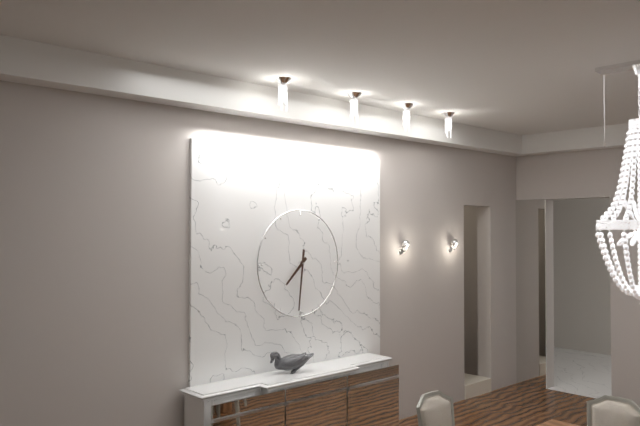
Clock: 7.31
